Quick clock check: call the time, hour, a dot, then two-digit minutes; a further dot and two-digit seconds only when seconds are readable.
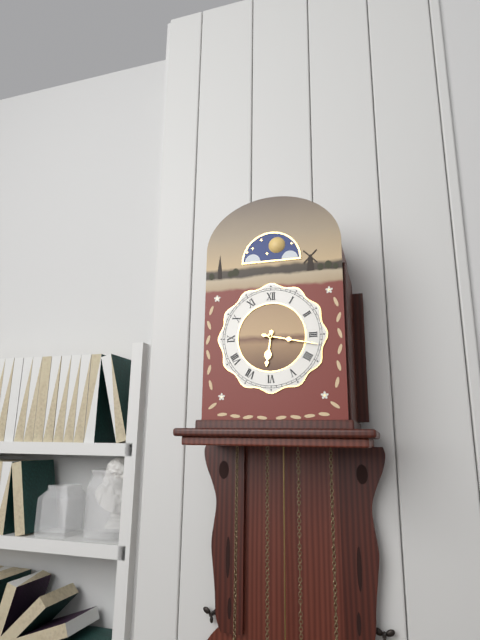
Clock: 6.17
